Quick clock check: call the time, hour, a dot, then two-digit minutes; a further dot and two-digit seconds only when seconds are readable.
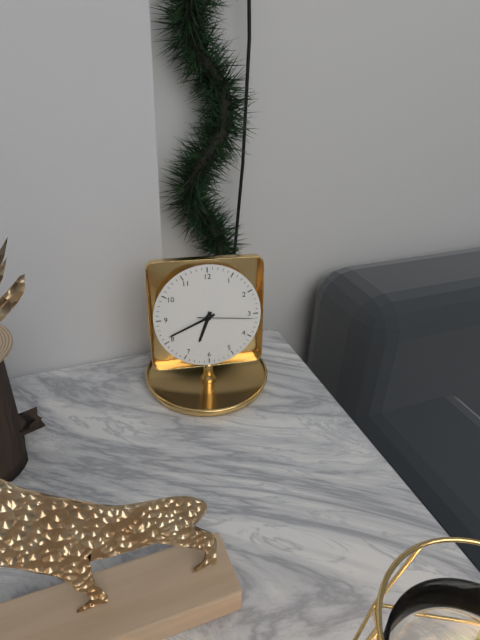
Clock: 6.41.16
